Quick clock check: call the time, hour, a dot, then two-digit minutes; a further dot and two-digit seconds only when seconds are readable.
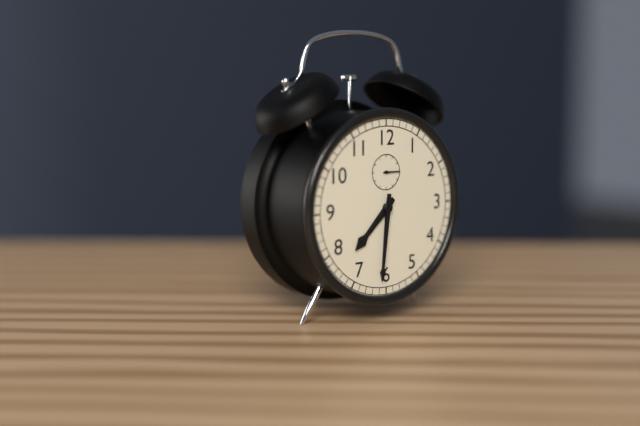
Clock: 7.31
